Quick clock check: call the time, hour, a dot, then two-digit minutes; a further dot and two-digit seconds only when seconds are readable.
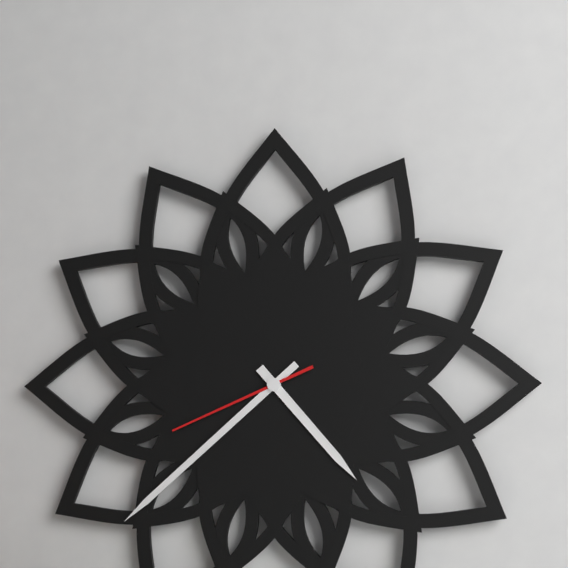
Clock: 4.38.41
